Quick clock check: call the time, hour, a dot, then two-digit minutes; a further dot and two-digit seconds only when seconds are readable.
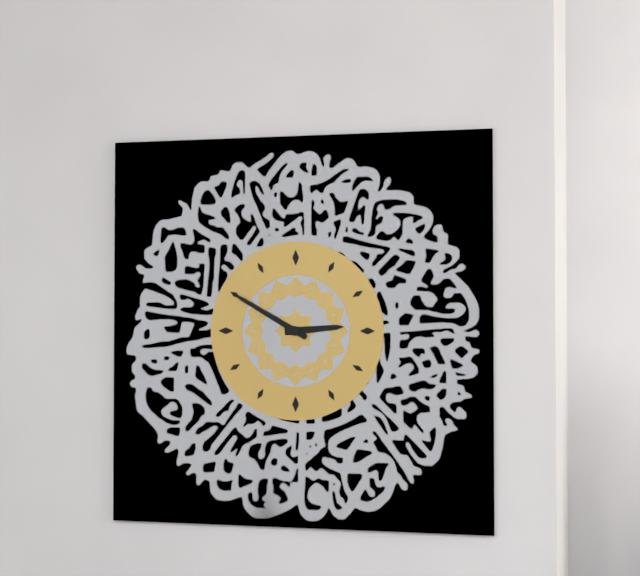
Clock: 2.50
